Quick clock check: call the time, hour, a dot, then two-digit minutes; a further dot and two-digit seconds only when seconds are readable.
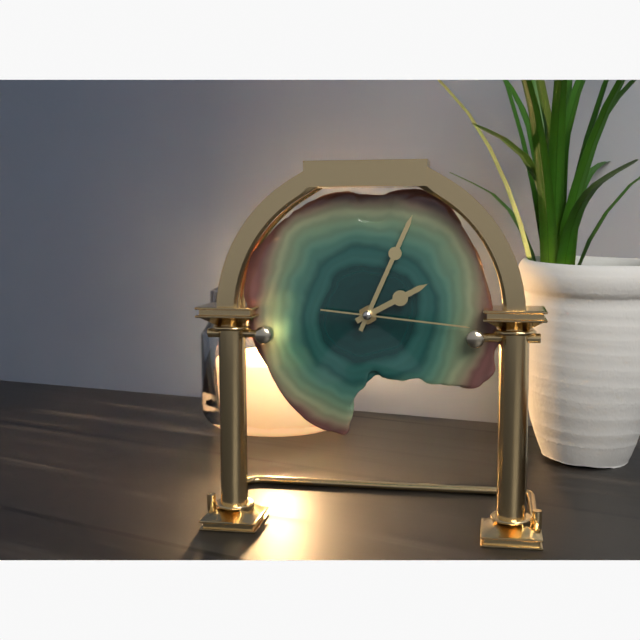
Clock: 2.04.16
